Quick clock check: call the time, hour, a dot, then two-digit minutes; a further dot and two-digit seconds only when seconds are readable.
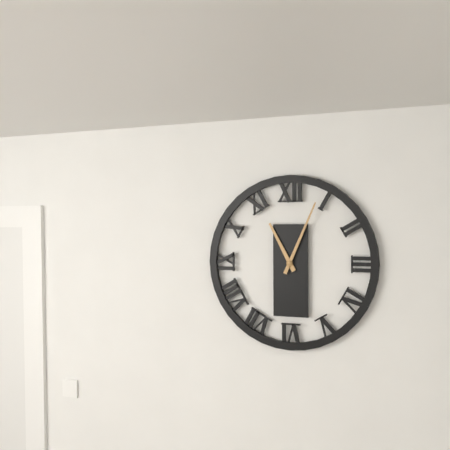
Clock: 11.04
